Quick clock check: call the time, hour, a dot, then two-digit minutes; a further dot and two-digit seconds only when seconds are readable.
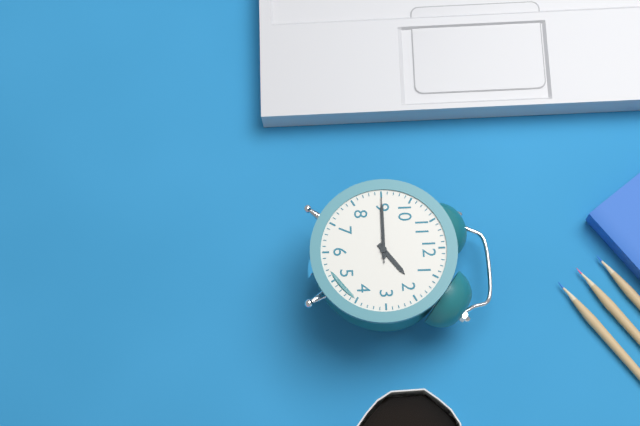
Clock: 1.45.45
